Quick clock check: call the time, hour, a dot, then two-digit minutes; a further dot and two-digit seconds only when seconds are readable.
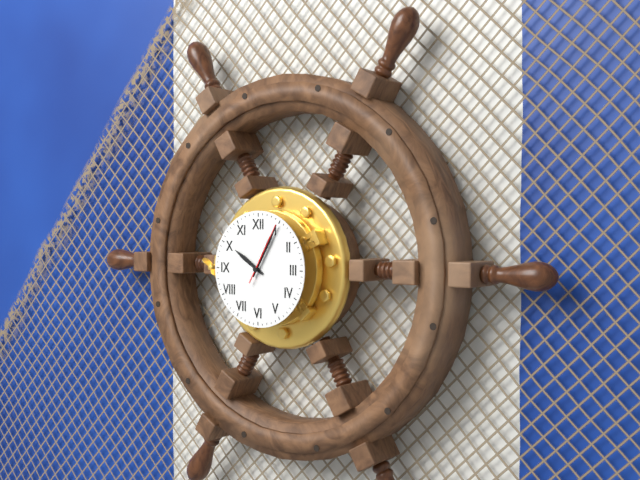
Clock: 10.05.05
